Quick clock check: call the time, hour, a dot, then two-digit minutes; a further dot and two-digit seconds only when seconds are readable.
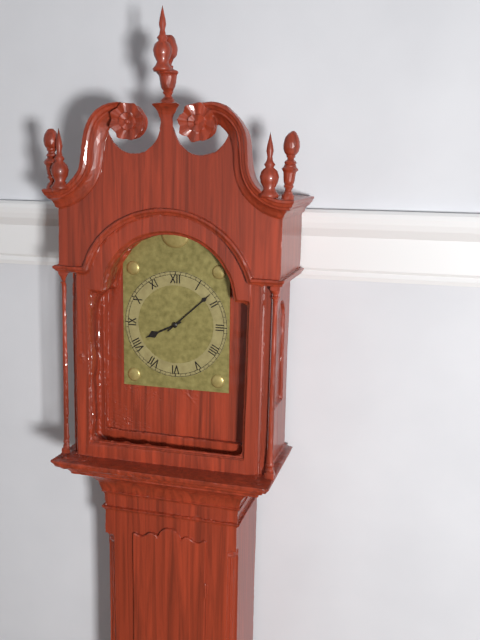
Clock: 8.08
